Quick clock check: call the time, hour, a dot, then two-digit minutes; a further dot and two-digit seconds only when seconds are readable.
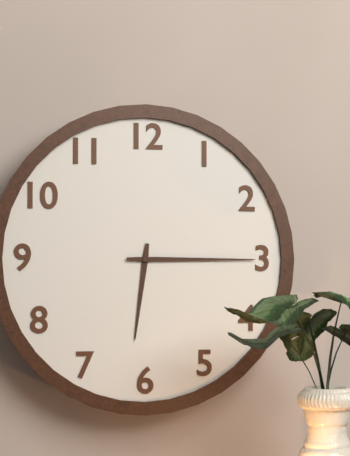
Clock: 6.15
